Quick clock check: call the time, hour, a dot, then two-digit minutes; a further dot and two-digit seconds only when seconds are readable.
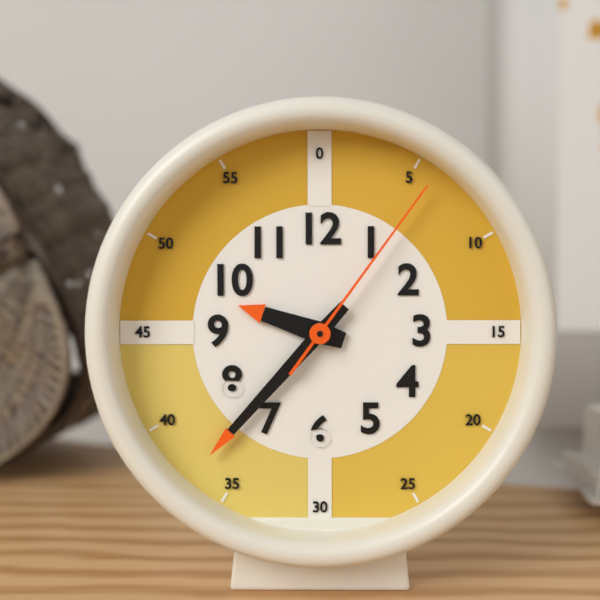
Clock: 9.37.06
